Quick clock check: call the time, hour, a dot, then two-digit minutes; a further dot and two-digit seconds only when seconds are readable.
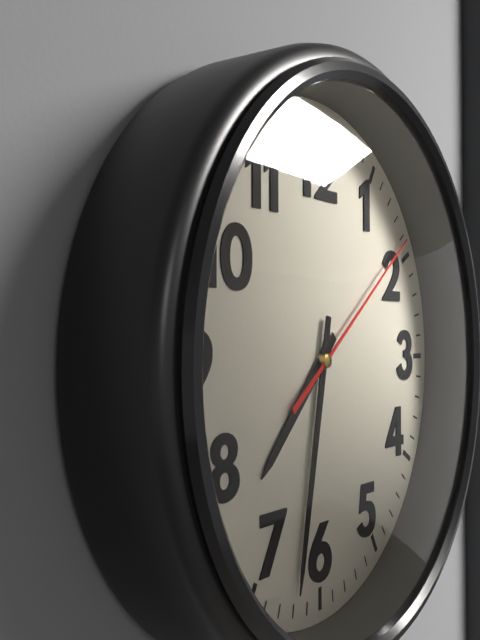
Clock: 7.32.09
